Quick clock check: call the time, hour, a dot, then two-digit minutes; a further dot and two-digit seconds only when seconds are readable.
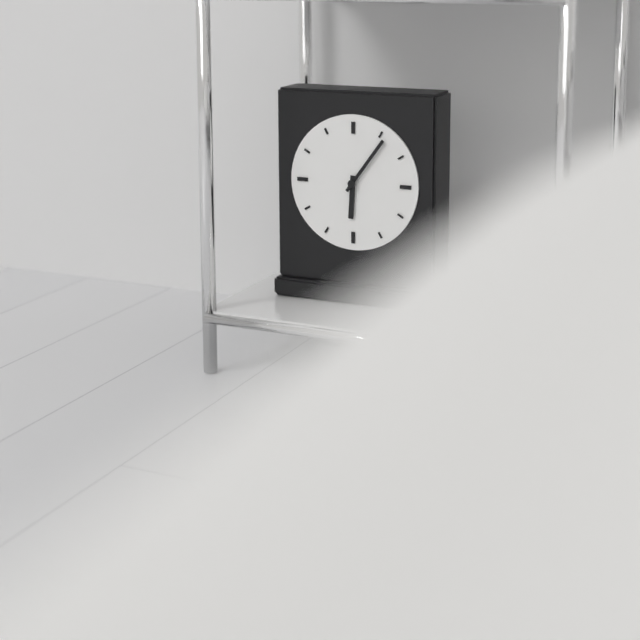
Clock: 6.06
